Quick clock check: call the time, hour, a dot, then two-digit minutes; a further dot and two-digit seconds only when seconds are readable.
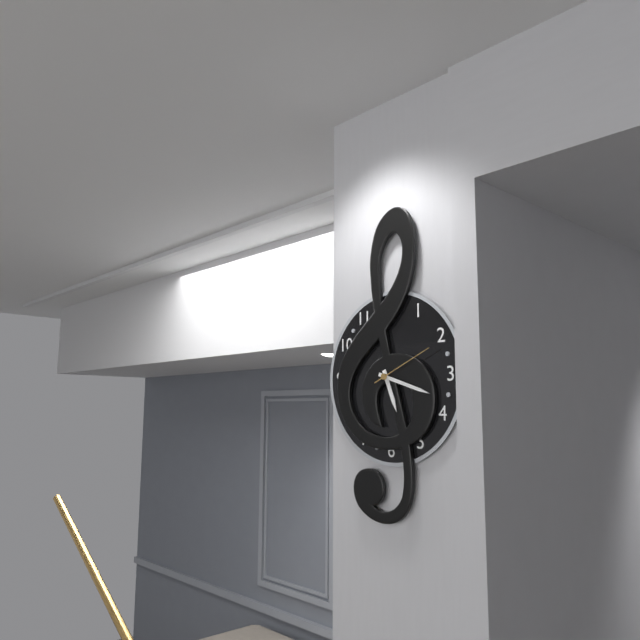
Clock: 5.18.11
